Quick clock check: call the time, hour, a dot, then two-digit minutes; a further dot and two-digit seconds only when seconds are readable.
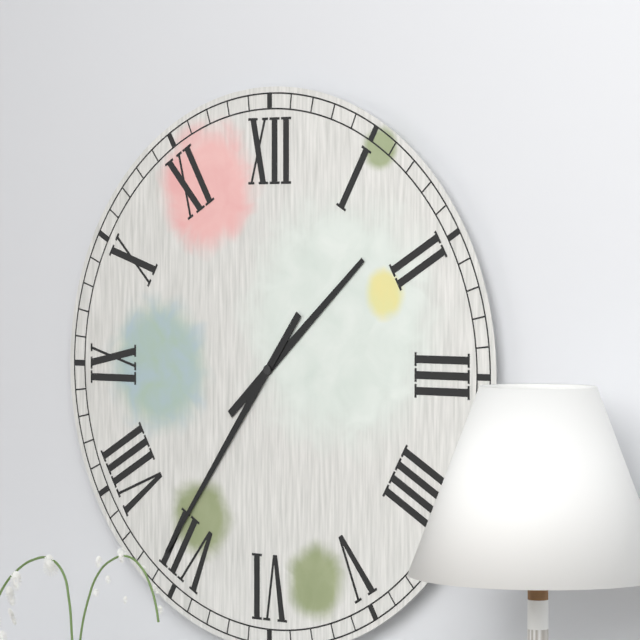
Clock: 1.36
